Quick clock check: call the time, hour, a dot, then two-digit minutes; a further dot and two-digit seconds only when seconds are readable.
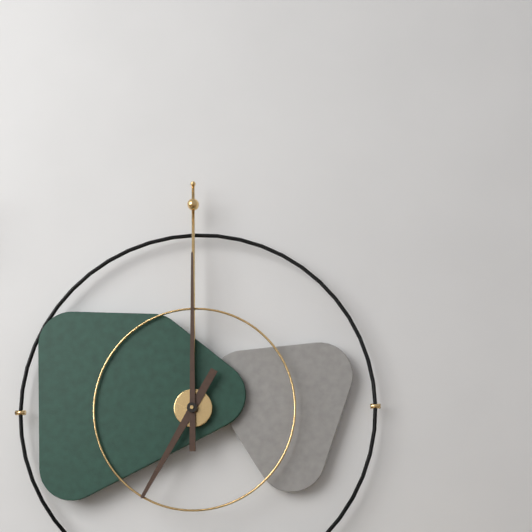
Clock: 7.00
